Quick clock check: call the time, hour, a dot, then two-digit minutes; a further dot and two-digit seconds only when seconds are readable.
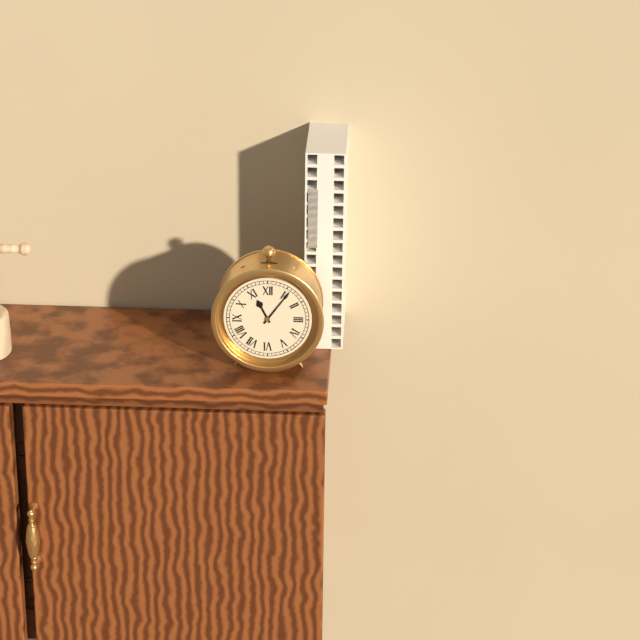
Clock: 11.06
